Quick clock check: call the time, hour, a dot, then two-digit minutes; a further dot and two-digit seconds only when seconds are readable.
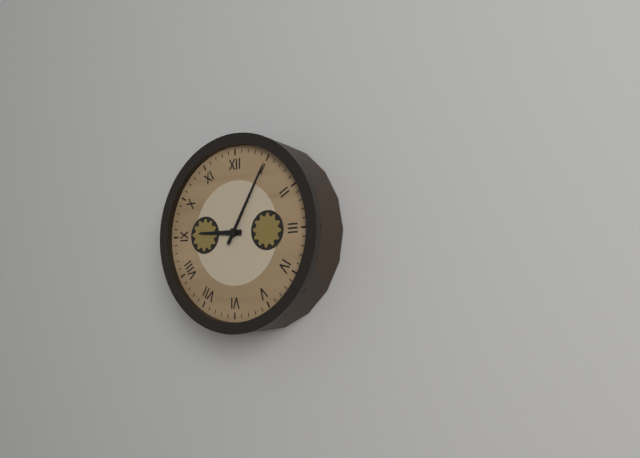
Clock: 9.05
